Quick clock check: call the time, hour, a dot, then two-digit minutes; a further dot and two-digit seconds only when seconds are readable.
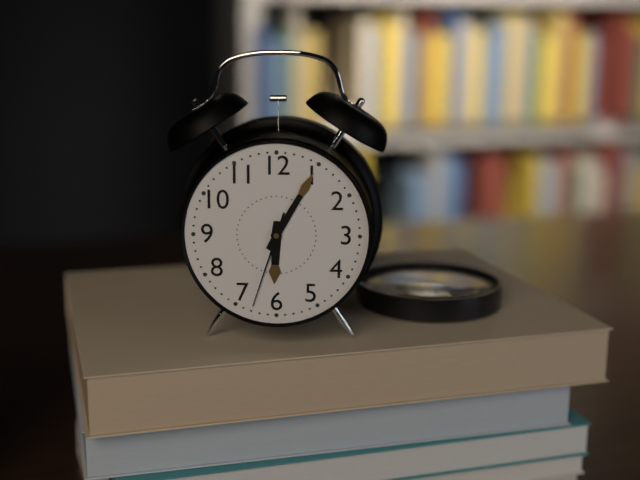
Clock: 6.05.33
